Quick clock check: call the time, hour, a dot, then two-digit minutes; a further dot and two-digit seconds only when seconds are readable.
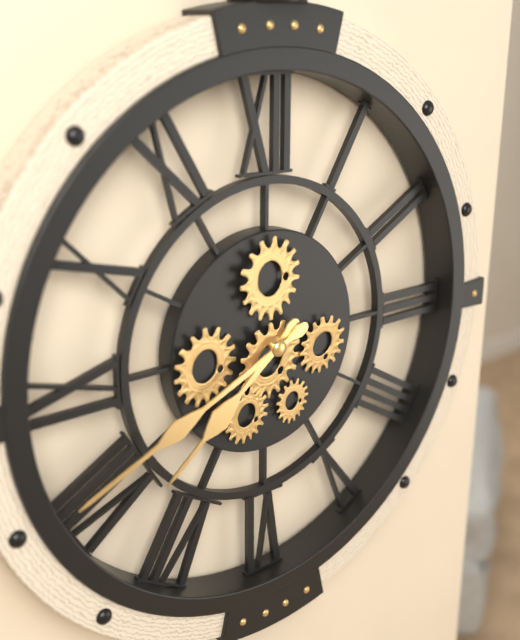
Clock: 7.41
